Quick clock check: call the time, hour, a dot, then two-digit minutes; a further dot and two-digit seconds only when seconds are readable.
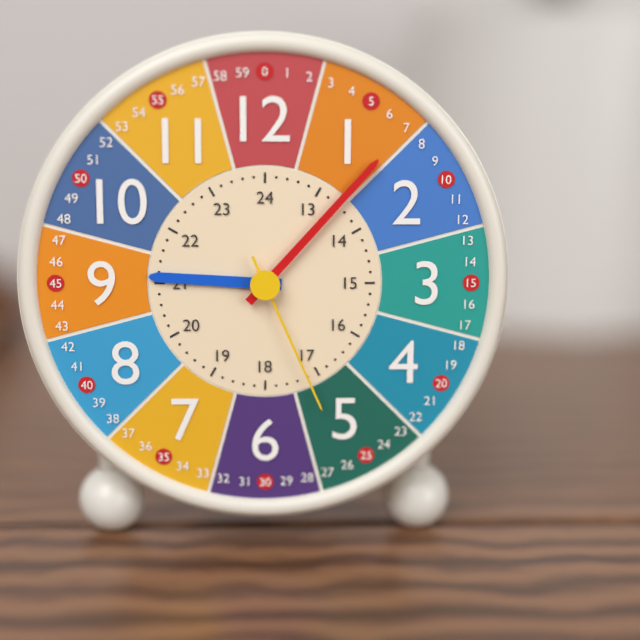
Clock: 9.07.26
